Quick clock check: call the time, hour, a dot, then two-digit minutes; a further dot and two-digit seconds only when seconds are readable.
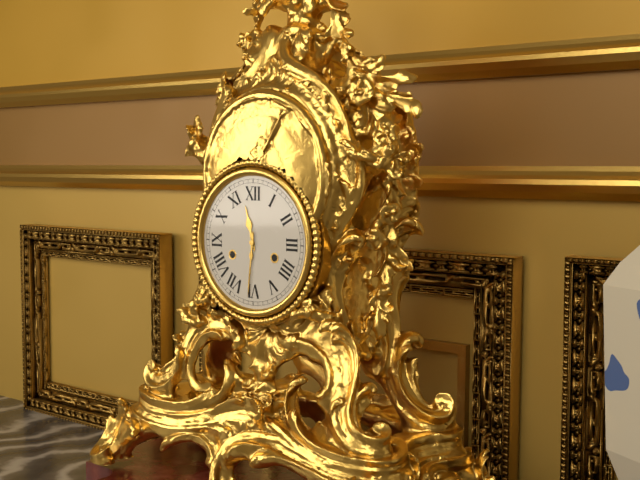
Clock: 11.31
